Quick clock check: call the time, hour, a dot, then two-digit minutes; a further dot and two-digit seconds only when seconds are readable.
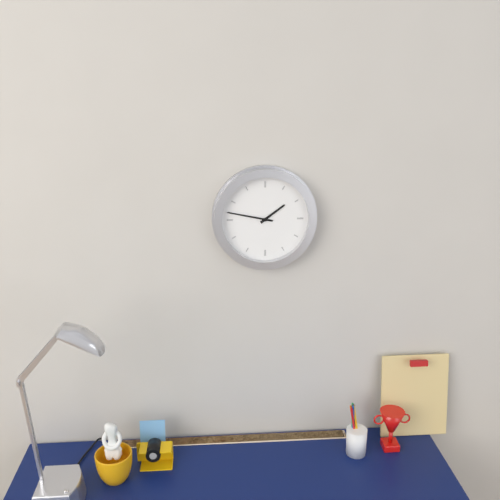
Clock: 1.47
